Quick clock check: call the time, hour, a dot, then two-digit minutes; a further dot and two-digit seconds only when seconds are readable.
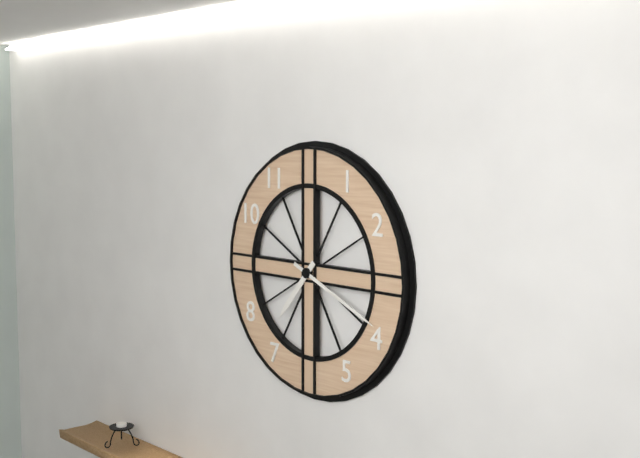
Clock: 7.19
